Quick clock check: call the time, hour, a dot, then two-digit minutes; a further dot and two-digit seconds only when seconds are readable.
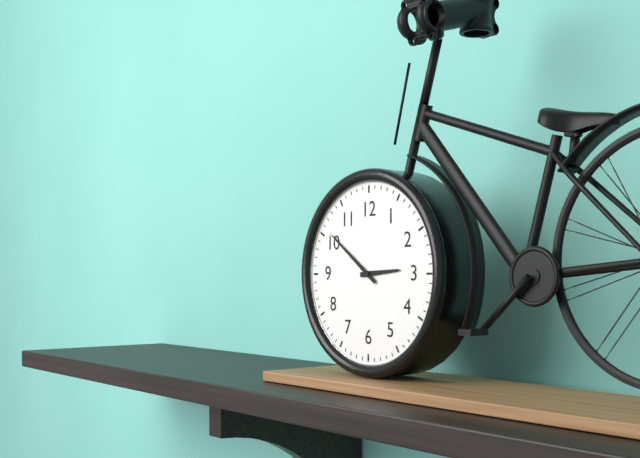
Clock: 2.51
